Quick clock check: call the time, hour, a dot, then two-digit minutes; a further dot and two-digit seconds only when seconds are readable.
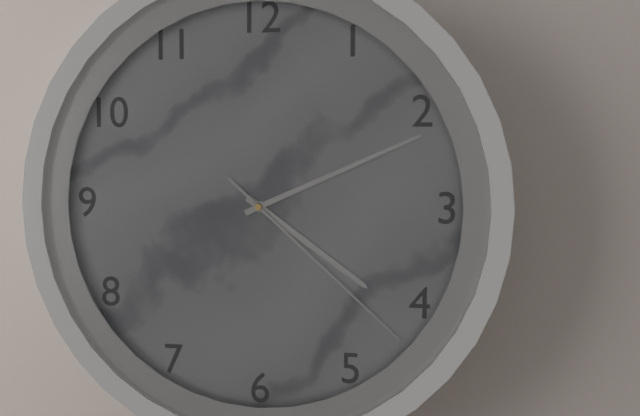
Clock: 4.11.22
